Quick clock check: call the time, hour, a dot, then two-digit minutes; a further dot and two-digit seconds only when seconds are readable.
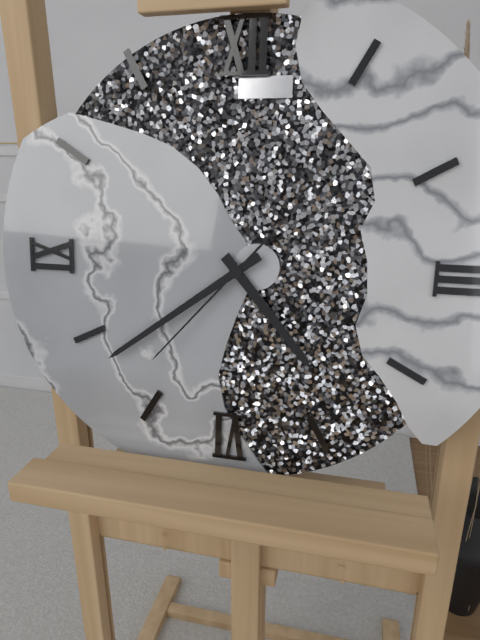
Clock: 4.39.37
